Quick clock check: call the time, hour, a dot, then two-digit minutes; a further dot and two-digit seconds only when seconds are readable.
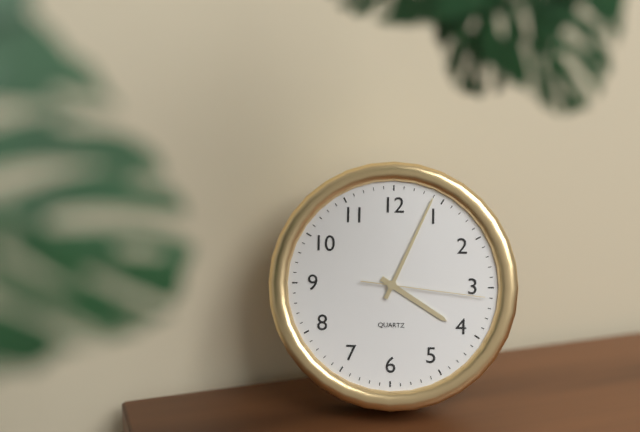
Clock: 4.04.16
